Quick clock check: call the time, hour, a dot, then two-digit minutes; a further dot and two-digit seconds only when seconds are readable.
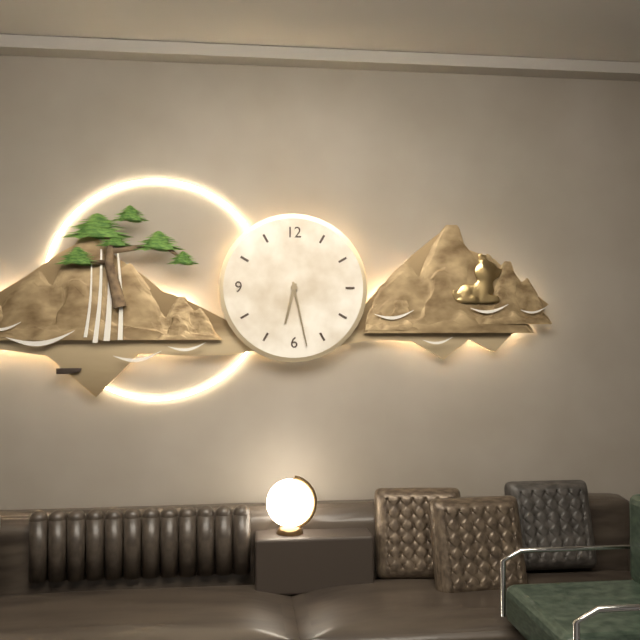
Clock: 6.28
